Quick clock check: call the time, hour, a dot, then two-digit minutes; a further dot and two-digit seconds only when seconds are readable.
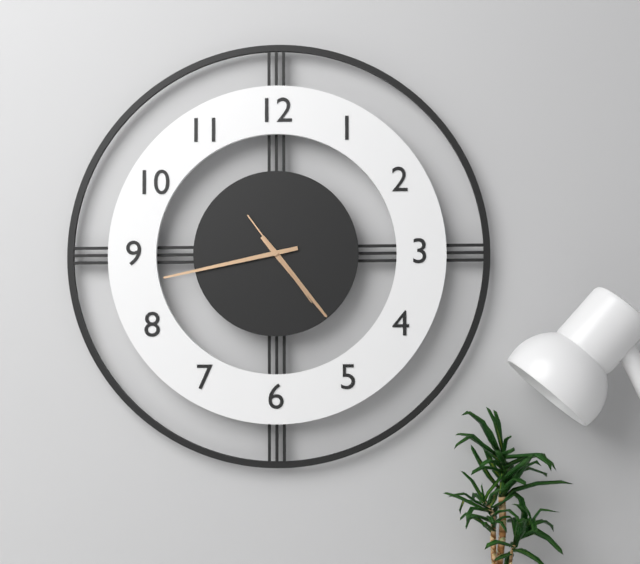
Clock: 4.43.24
